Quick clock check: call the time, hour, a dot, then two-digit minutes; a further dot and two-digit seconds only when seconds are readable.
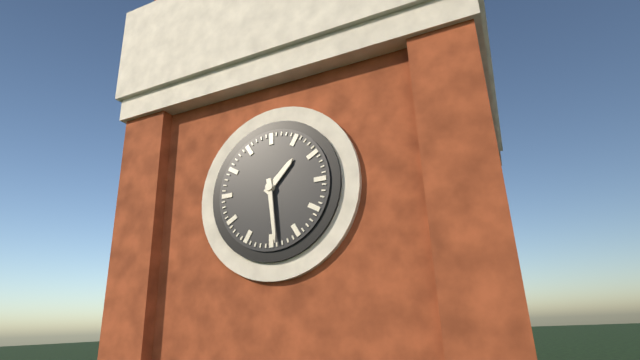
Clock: 1.29
